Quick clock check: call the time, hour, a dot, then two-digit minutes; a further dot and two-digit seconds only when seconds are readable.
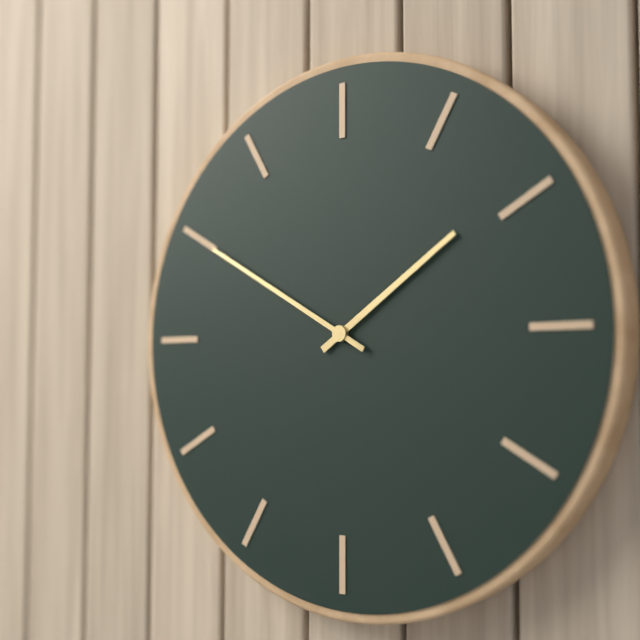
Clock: 1.50
